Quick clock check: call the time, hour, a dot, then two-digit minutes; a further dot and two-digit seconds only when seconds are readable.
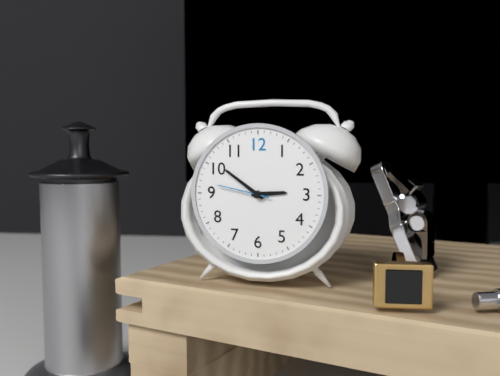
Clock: 2.51.47
